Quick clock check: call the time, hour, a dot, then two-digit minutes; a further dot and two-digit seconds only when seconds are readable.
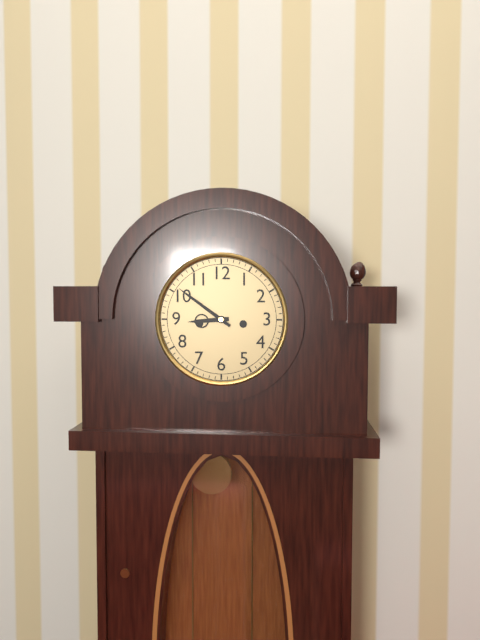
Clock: 8.51
